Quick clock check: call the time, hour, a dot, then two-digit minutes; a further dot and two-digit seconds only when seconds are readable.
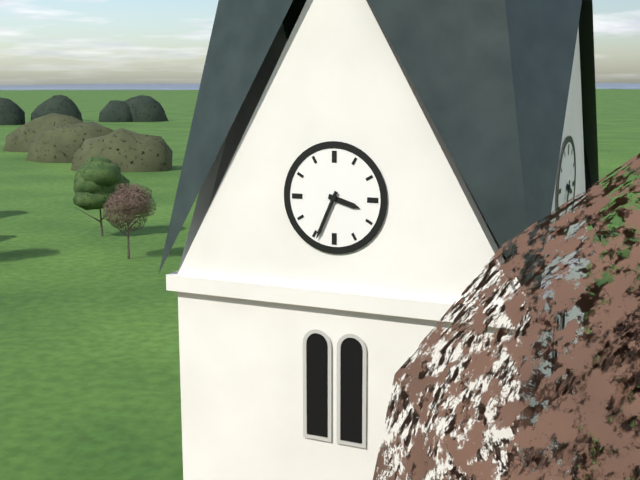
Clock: 3.34
